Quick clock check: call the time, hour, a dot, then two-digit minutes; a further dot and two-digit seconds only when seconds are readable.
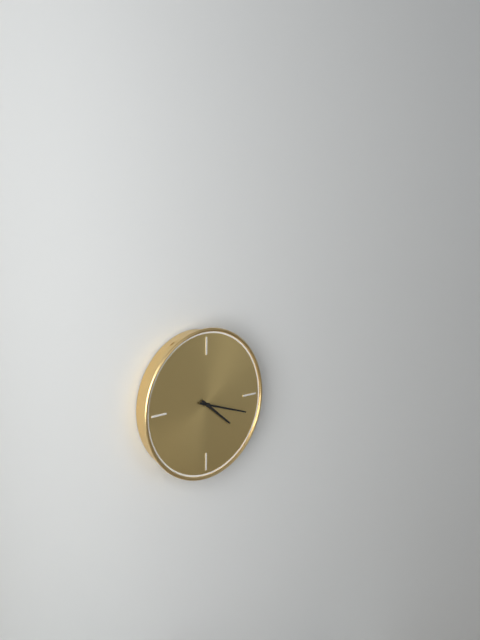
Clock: 4.18
